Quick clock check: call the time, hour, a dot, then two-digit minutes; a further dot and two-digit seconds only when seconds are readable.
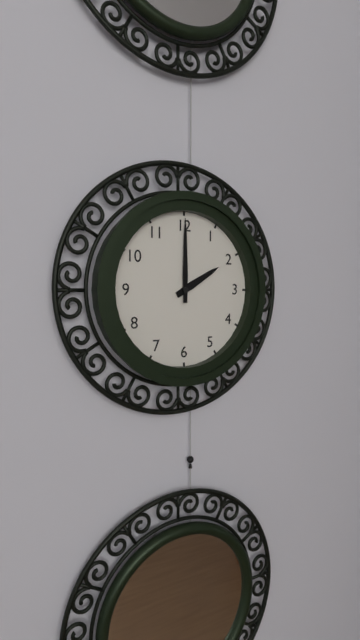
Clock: 2.00
